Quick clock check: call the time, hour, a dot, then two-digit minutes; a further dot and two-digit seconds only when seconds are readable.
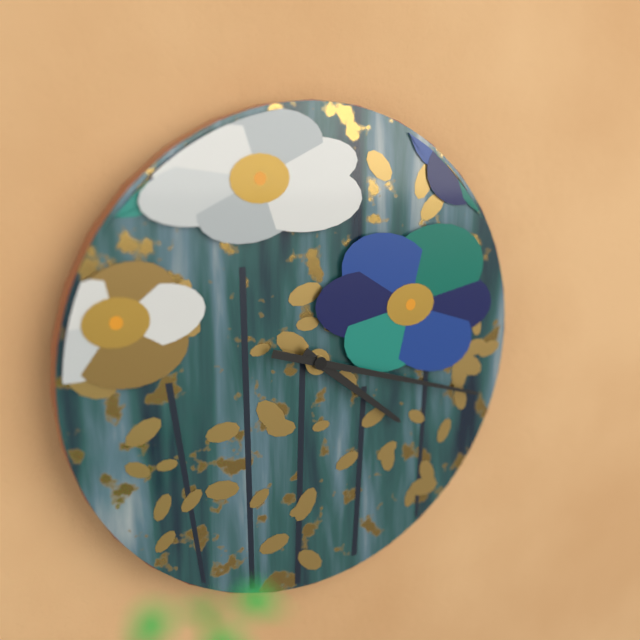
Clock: 4.18
